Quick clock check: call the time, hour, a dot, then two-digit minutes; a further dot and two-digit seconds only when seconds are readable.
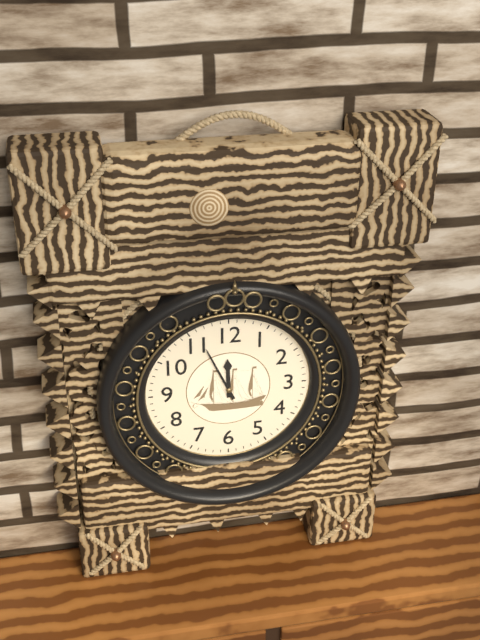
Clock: 11.56
